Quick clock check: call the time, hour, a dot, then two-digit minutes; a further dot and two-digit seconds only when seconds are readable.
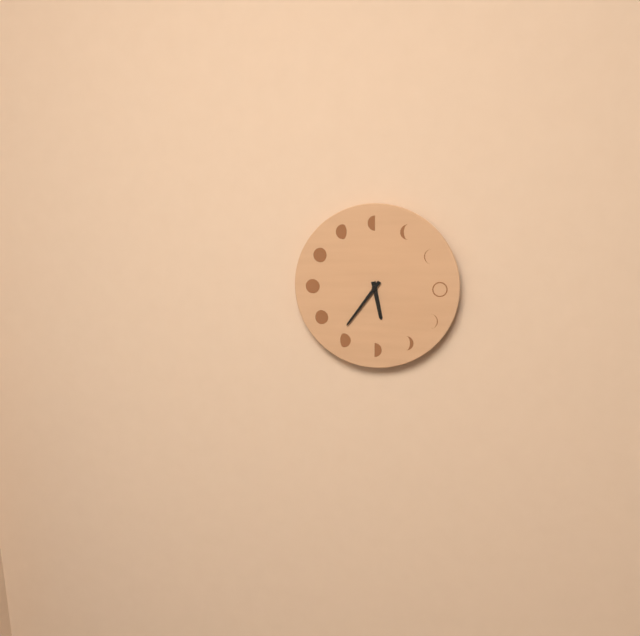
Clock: 5.36
